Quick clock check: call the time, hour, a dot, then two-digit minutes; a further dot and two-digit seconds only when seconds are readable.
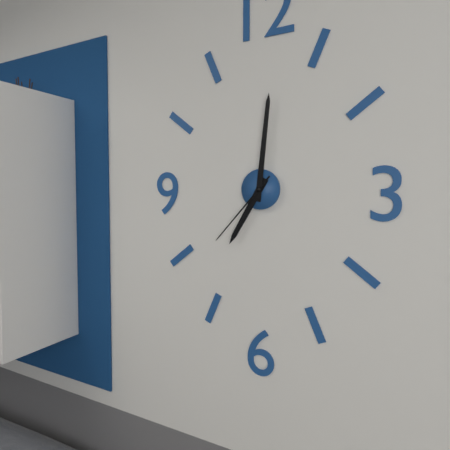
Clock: 7.01.37
